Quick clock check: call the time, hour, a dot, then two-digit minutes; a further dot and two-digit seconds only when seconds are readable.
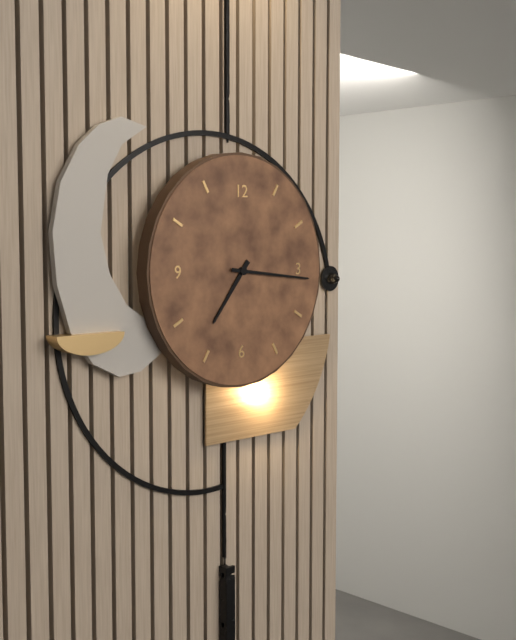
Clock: 7.16
